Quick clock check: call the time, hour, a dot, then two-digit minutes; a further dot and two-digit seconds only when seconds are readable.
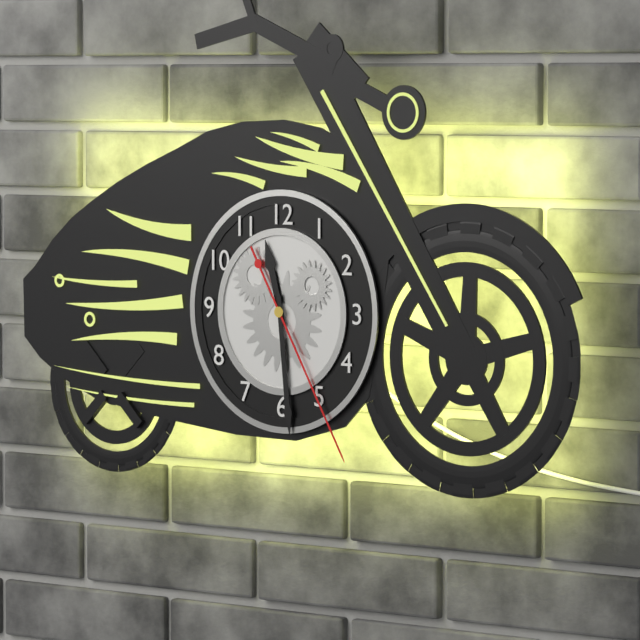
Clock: 11.29.25
